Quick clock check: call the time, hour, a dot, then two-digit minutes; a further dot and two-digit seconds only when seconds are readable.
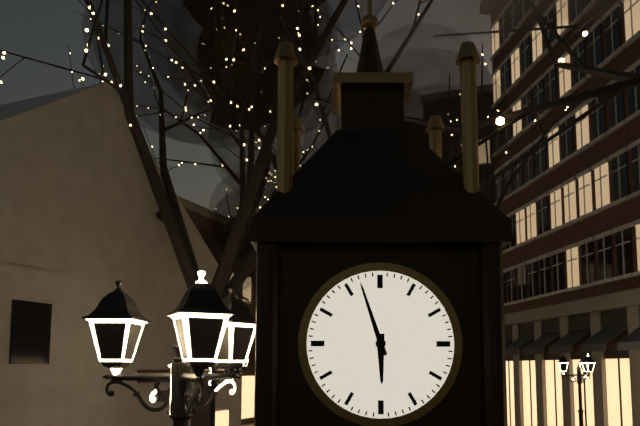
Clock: 5.57
